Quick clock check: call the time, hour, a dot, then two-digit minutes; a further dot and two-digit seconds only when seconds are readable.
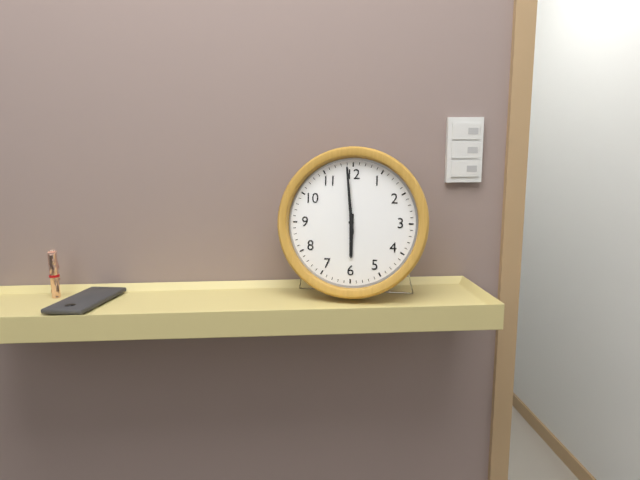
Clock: 5.59
